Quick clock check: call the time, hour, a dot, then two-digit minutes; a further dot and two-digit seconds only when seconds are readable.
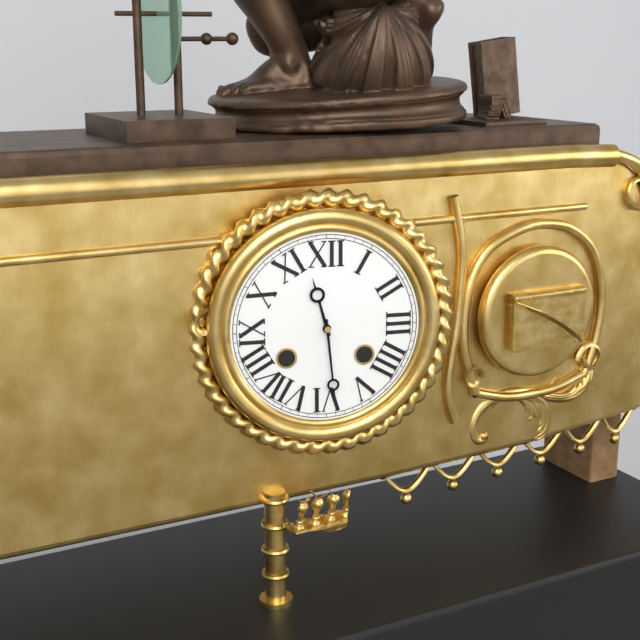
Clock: 11.29
